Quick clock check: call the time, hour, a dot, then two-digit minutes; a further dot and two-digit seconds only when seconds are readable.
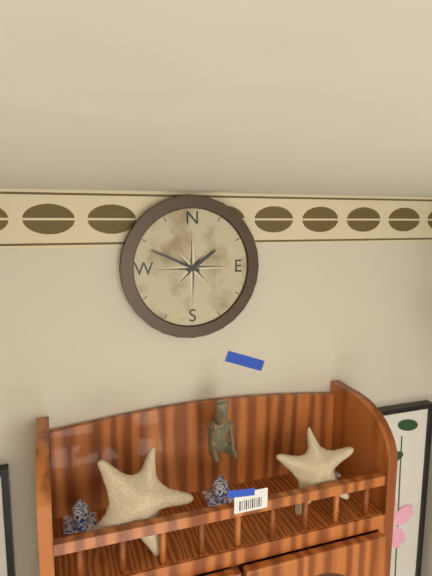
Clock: 1.49
